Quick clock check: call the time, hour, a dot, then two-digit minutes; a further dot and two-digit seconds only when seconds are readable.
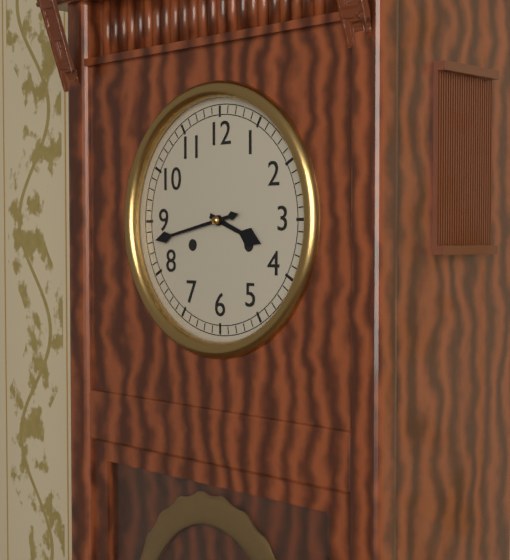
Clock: 3.43
